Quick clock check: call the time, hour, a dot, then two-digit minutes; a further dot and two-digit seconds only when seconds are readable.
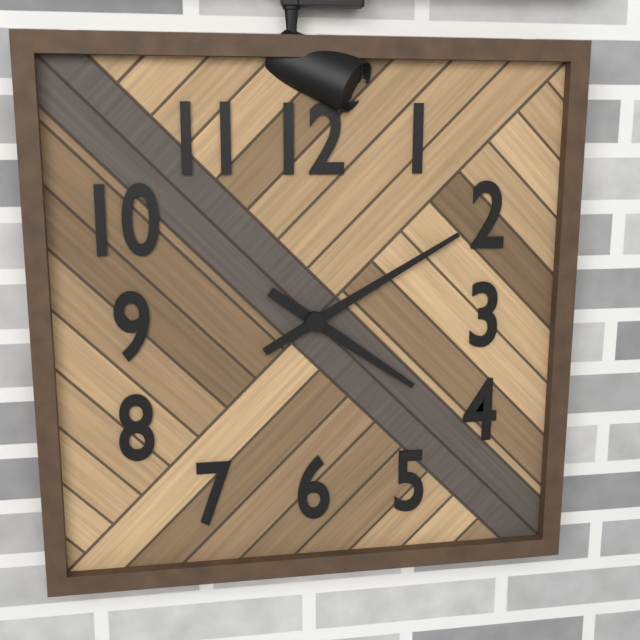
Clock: 4.10
